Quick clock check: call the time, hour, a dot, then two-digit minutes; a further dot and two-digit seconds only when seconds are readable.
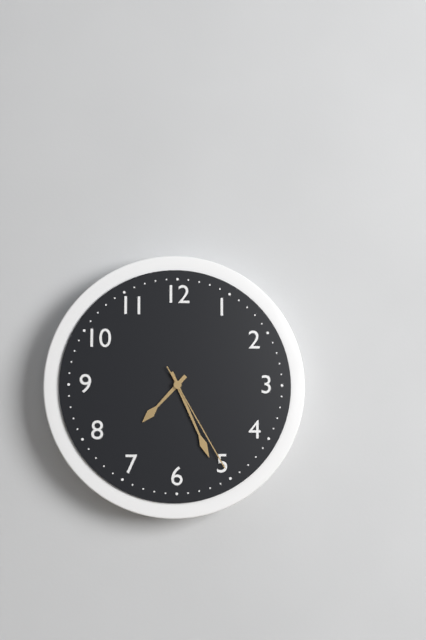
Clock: 7.26.25
